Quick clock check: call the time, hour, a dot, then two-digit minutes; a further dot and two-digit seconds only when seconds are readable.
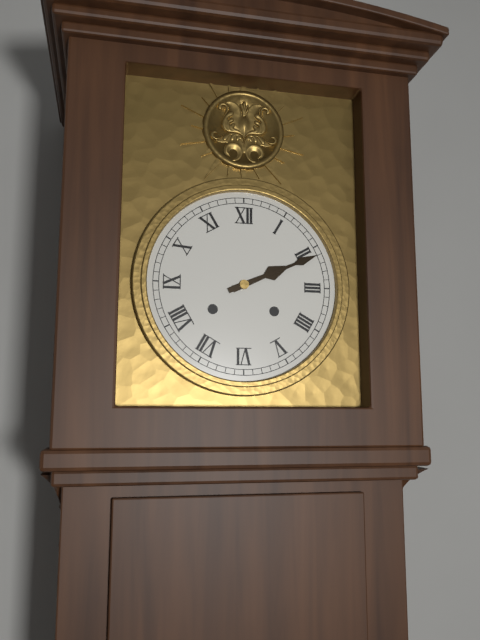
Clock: 2.11
